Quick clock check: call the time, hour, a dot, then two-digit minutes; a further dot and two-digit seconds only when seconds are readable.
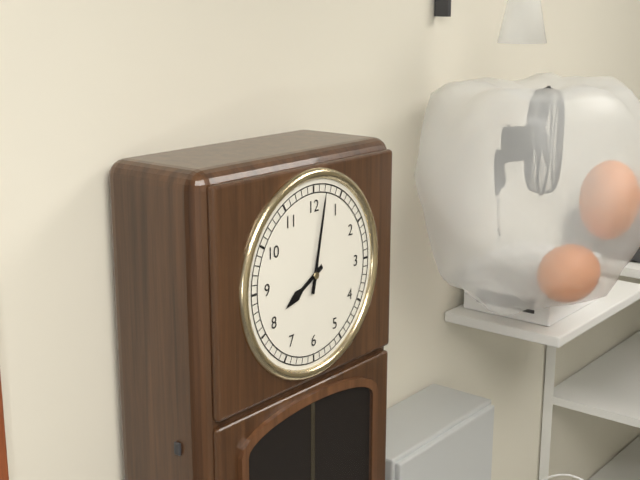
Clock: 8.02
